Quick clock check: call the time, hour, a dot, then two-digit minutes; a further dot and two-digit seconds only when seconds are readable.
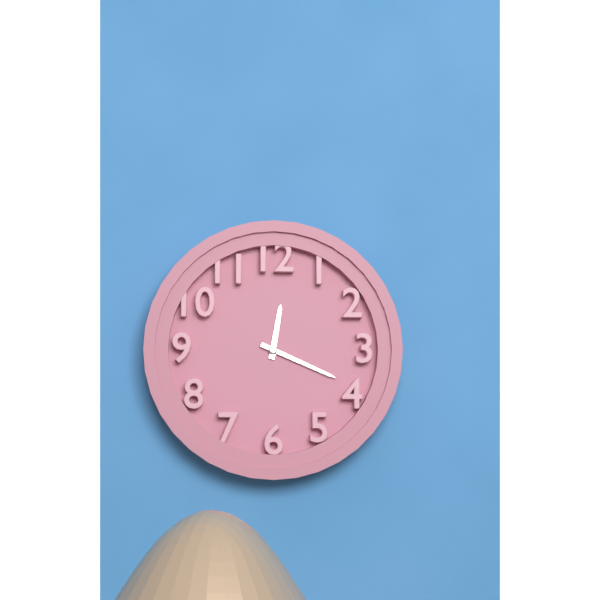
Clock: 12.19
